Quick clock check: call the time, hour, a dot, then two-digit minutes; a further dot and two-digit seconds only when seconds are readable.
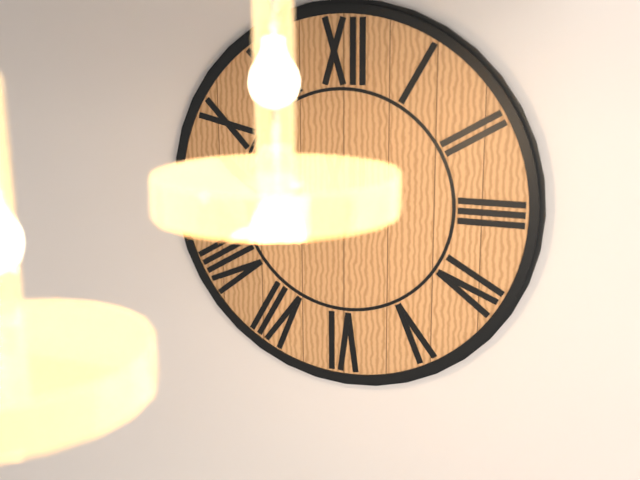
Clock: 8.41
